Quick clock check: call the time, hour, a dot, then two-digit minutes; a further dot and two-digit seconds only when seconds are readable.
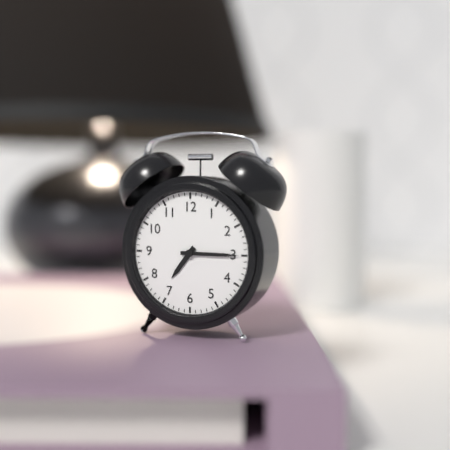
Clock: 7.15
